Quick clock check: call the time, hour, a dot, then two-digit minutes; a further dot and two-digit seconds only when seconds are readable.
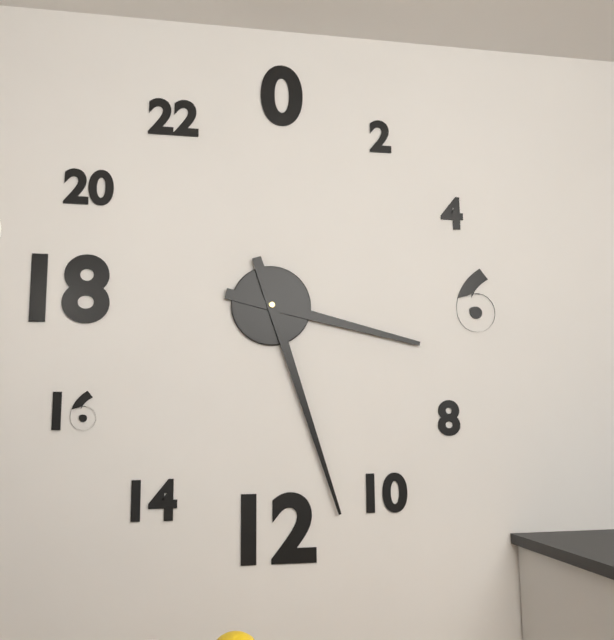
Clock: 3.27
